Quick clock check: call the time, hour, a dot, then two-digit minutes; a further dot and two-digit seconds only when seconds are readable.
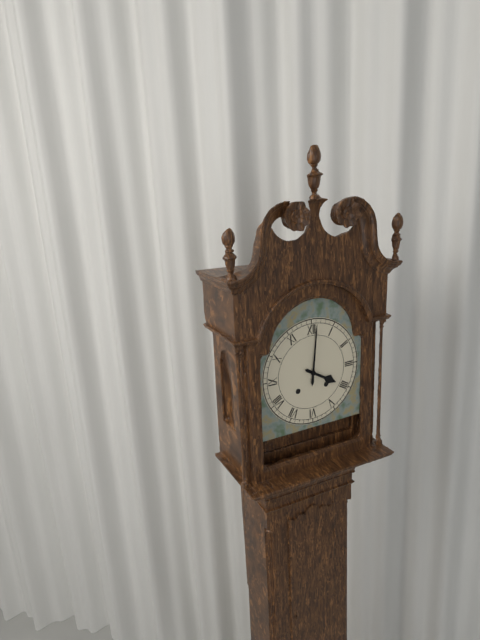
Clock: 4.01
